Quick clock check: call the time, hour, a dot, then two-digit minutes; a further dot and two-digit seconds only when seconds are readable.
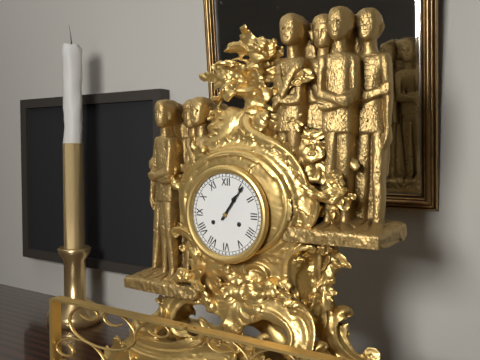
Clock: 1.06
